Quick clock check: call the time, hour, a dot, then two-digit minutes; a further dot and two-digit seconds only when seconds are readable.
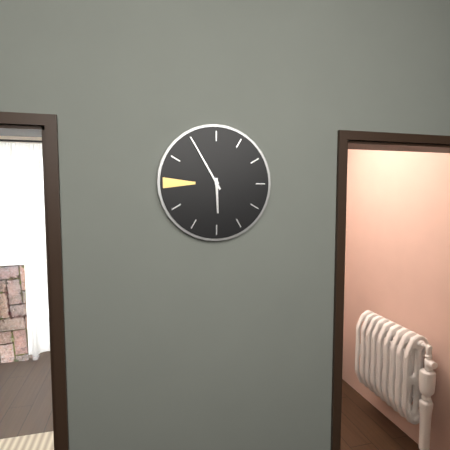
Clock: 5.55
